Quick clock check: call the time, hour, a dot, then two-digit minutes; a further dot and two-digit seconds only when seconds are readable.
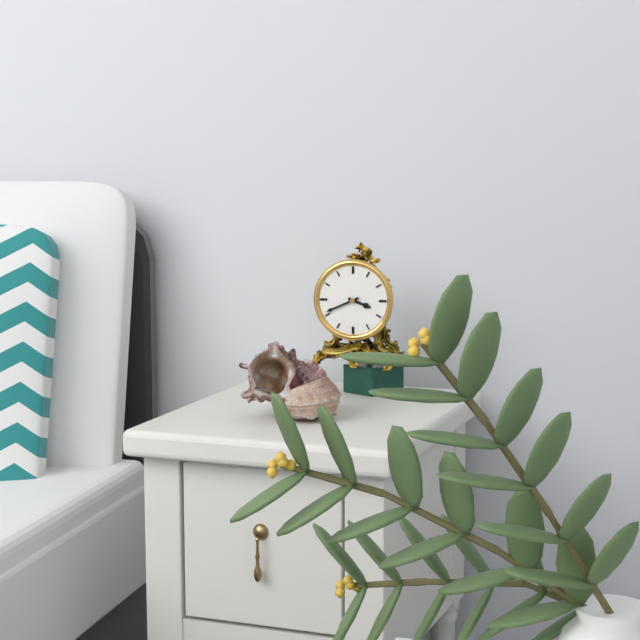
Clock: 3.41
